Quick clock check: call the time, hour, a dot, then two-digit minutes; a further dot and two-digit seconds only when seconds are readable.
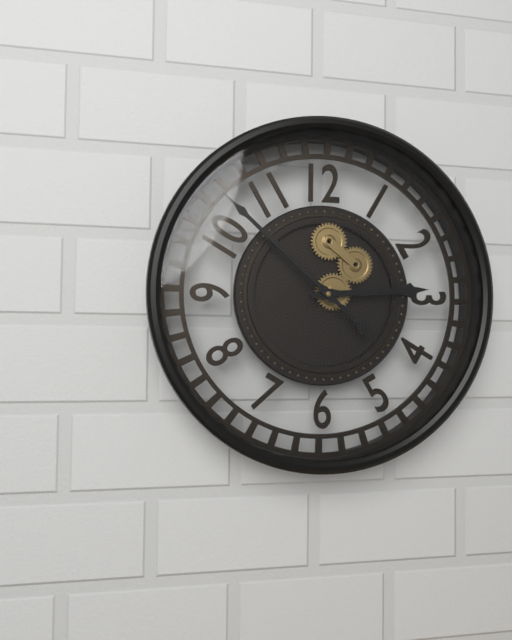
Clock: 2.52
